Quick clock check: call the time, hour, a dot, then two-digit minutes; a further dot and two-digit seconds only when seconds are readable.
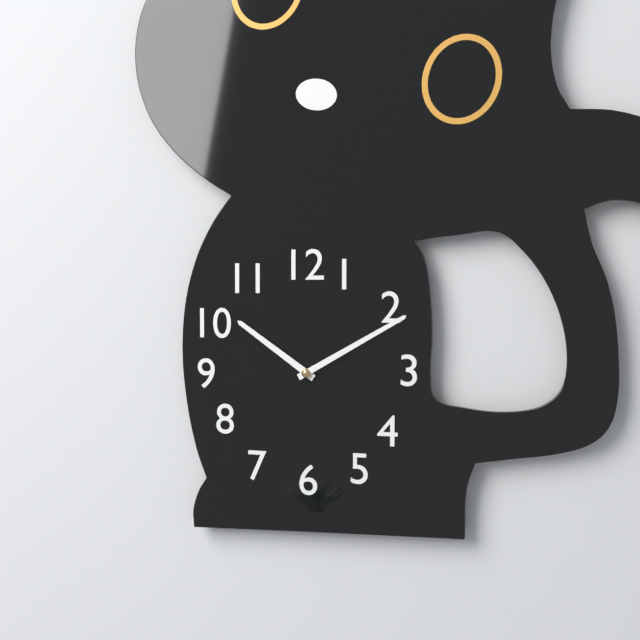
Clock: 10.10
